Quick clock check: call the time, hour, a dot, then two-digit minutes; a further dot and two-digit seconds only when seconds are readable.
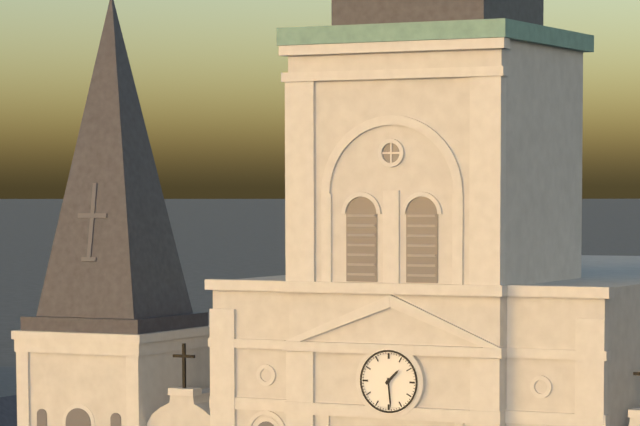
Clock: 1.29
